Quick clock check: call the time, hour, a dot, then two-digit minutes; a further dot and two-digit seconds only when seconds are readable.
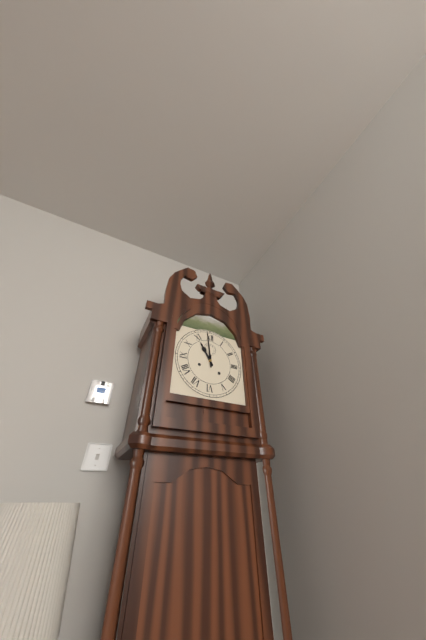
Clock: 10.59
